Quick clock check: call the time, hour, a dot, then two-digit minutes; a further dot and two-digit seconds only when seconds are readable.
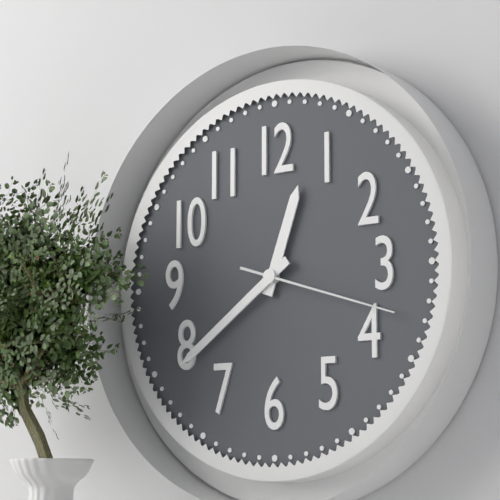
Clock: 12.39.18
